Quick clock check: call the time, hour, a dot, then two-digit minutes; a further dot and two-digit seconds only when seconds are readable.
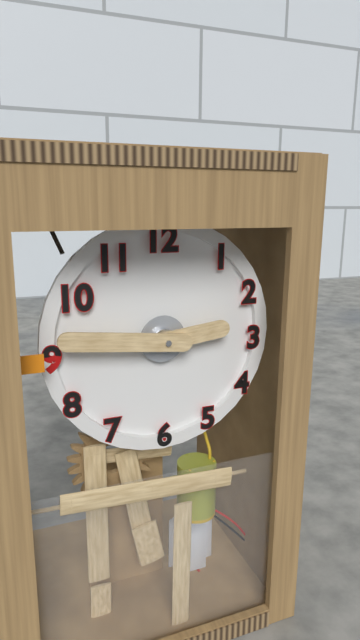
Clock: 2.46
